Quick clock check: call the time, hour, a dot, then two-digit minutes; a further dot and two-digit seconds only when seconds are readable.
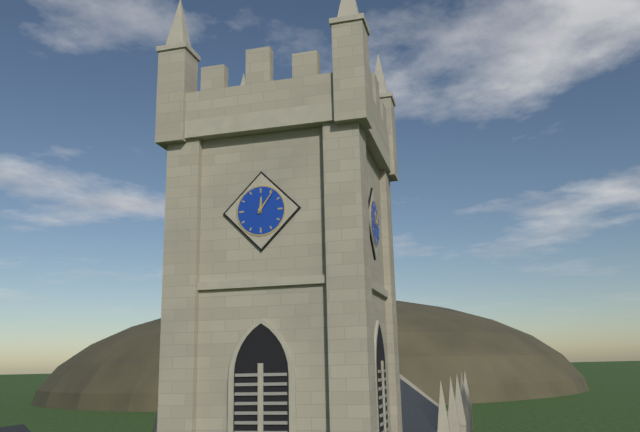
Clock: 12.06
